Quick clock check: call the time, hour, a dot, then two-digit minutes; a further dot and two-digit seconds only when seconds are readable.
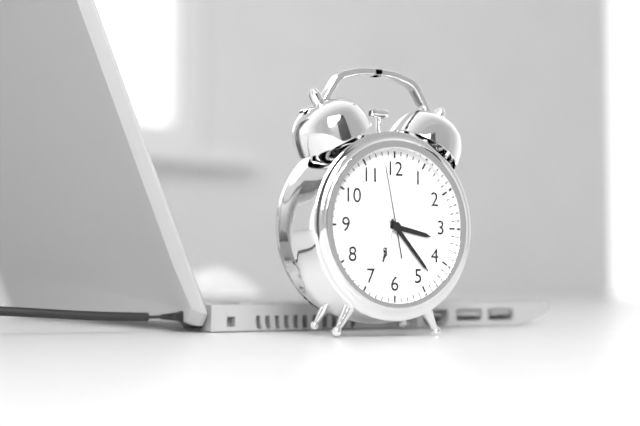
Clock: 3.23.58
